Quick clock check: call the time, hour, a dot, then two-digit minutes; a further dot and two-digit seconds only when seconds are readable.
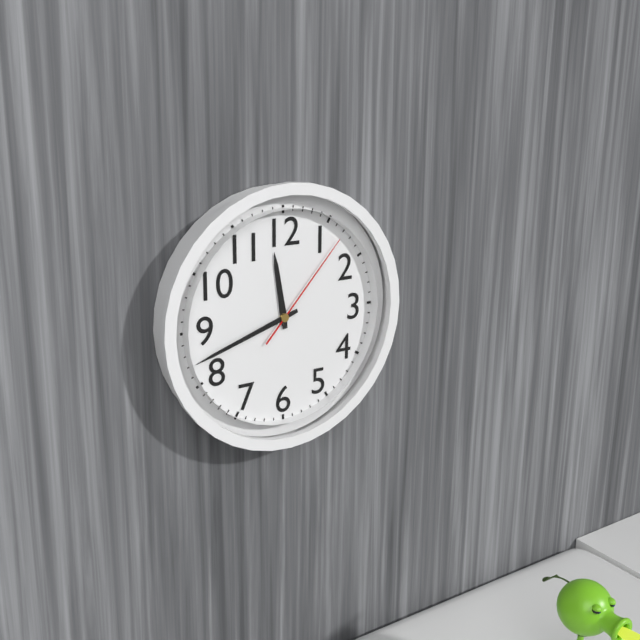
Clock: 11.42.07
